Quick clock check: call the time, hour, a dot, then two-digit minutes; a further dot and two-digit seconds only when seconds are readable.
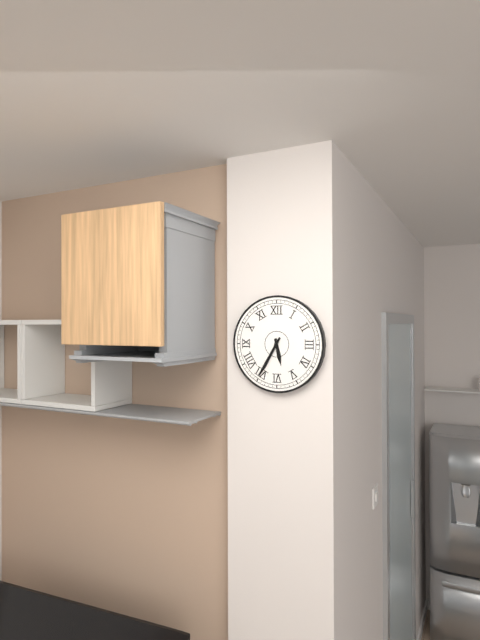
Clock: 5.35
